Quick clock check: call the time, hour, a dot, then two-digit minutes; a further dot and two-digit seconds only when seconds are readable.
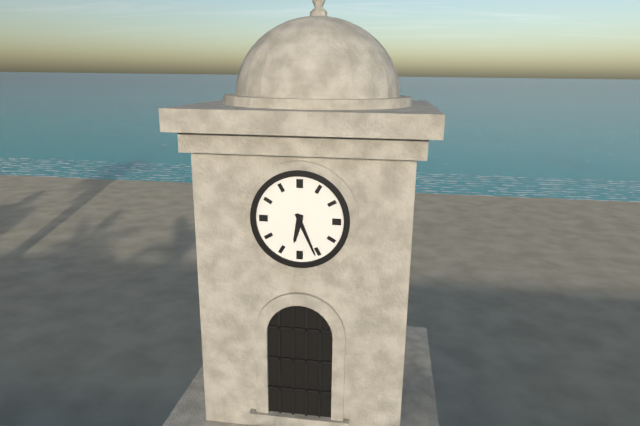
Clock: 6.26
